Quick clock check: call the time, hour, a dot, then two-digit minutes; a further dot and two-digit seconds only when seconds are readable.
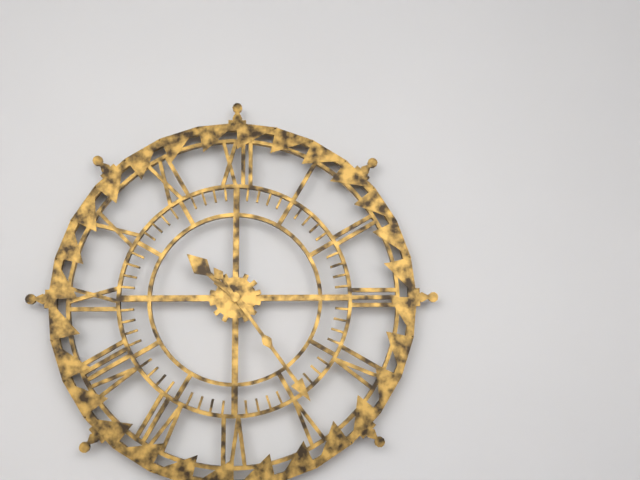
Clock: 10.24
